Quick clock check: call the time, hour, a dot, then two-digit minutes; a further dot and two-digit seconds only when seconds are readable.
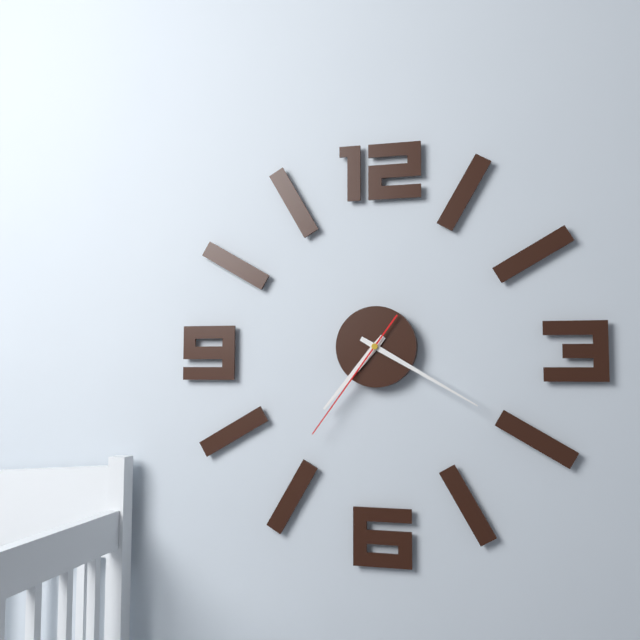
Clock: 7.20.36
